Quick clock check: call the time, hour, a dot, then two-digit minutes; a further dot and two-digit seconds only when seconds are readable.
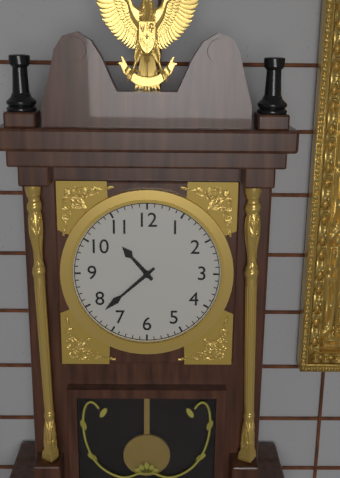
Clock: 10.38
